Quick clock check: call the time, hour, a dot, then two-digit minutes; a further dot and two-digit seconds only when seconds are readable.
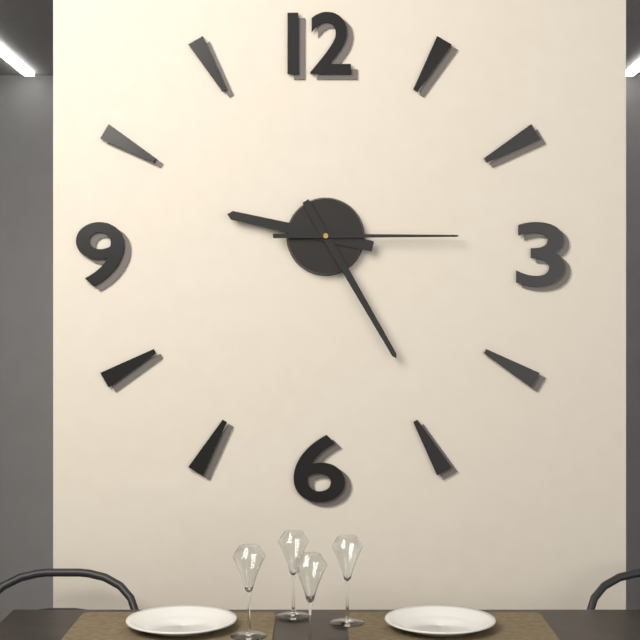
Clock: 9.25.15
